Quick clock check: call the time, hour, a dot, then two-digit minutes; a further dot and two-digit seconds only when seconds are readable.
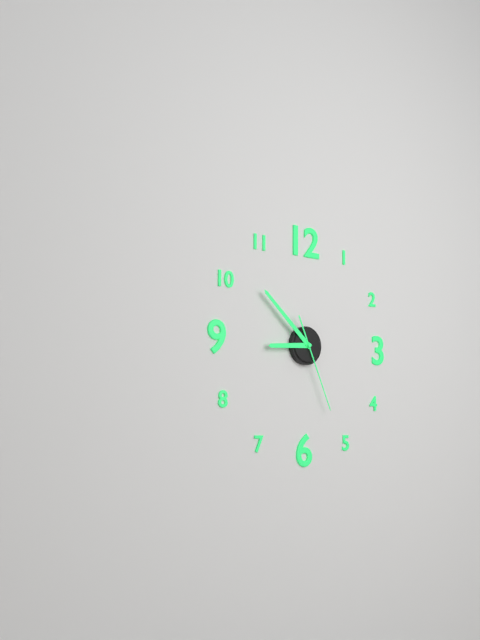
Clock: 8.52.26
